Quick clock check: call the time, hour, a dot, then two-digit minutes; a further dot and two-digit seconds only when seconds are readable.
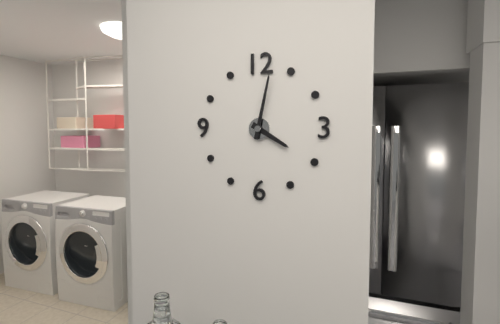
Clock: 4.02
